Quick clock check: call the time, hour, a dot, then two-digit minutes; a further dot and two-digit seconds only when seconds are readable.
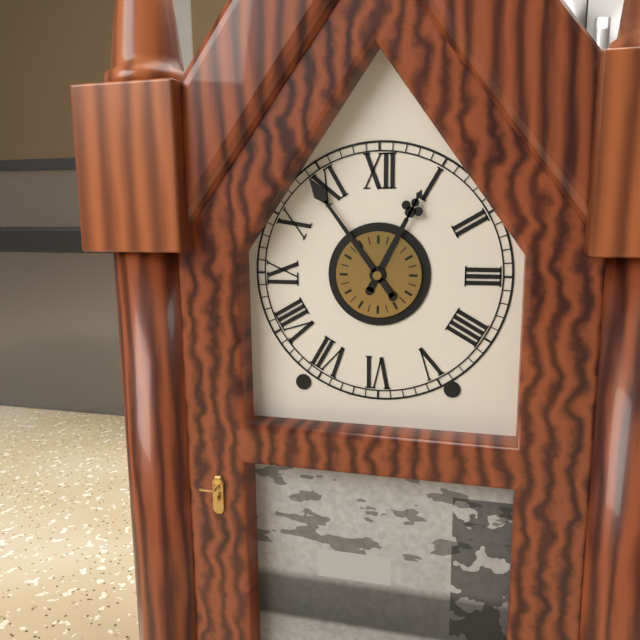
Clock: 12.54
